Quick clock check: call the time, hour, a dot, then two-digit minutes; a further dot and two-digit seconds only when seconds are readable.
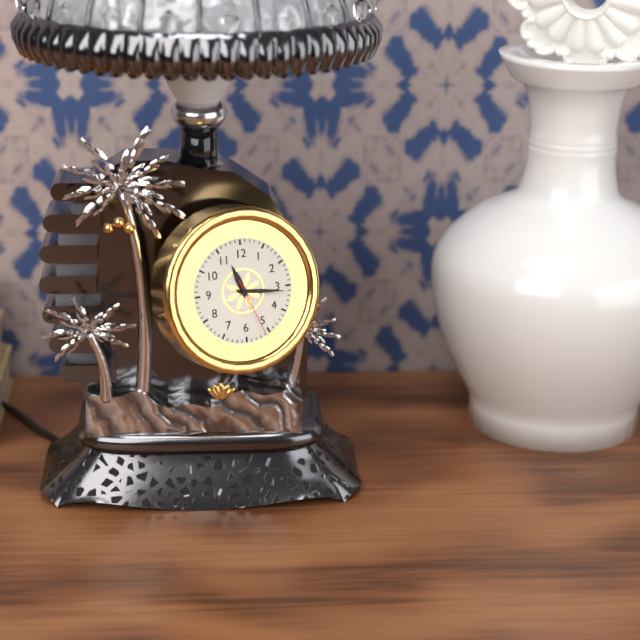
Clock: 11.16.26
